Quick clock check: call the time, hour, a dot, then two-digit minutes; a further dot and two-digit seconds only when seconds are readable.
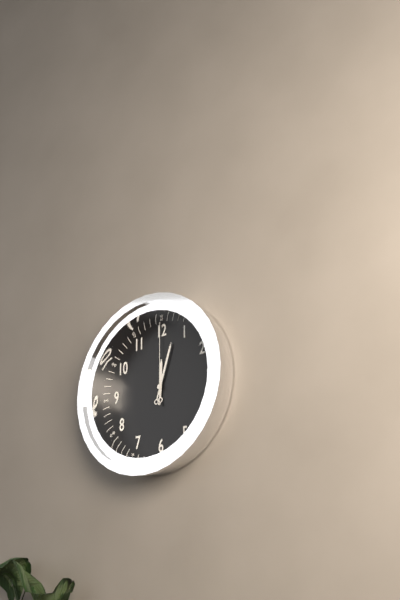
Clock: 12.03.00
